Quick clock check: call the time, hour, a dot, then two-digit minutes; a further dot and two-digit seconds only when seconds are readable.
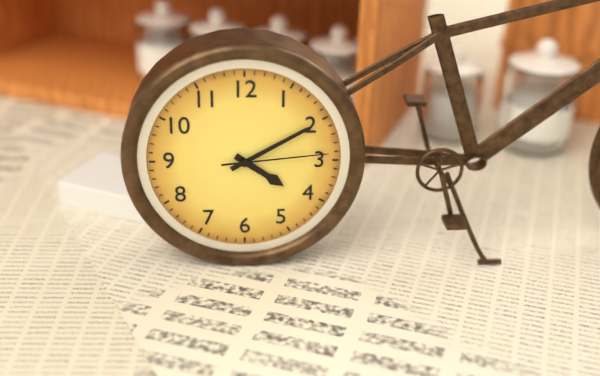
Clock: 4.10.14
